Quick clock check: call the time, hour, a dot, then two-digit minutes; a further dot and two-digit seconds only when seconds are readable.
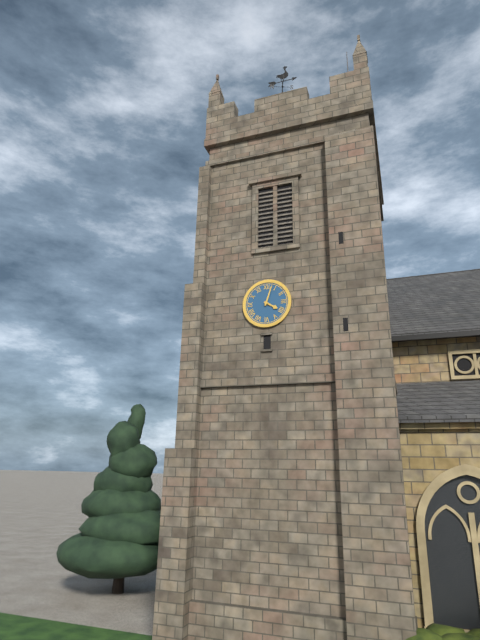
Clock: 4.03
